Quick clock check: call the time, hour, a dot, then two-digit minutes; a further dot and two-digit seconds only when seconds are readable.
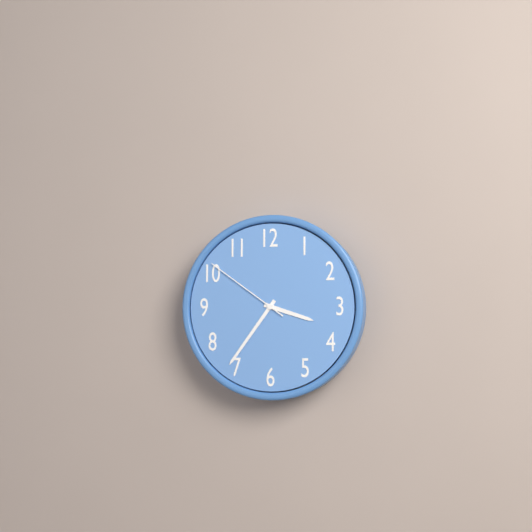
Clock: 3.36.51
